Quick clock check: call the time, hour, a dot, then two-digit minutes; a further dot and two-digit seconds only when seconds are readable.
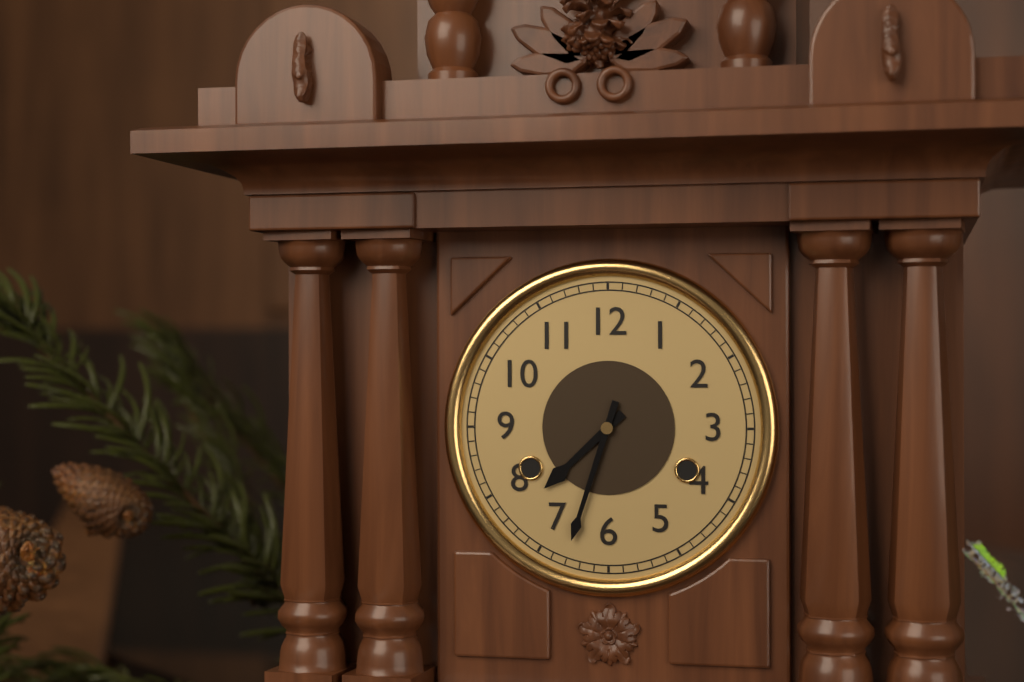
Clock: 7.33
